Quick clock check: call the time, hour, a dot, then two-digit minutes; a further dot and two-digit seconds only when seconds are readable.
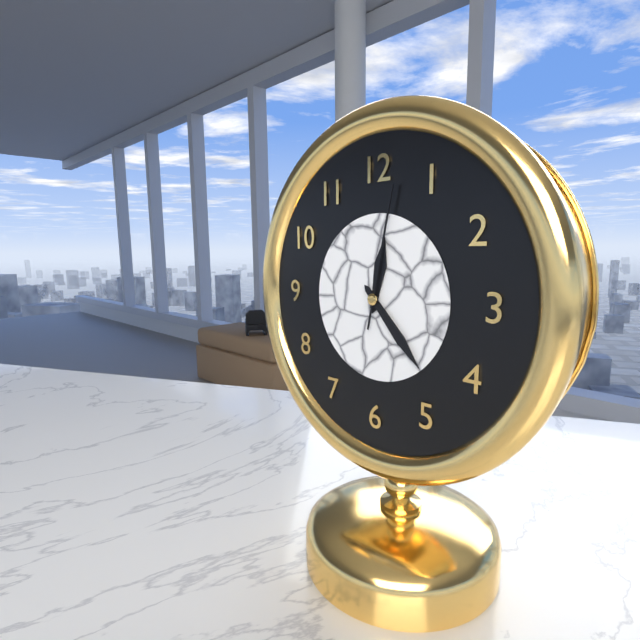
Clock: 12.23.02
